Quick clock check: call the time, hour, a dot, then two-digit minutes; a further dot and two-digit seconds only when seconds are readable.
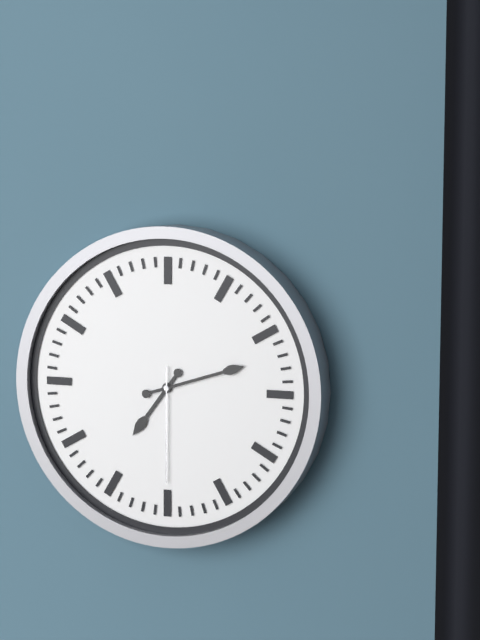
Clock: 7.12.30
